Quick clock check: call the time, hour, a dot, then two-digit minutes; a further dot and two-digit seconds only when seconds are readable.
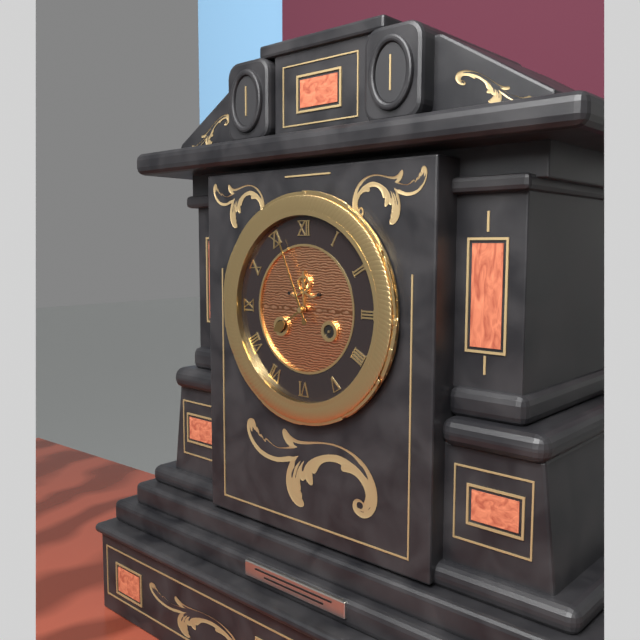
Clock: 7.56
